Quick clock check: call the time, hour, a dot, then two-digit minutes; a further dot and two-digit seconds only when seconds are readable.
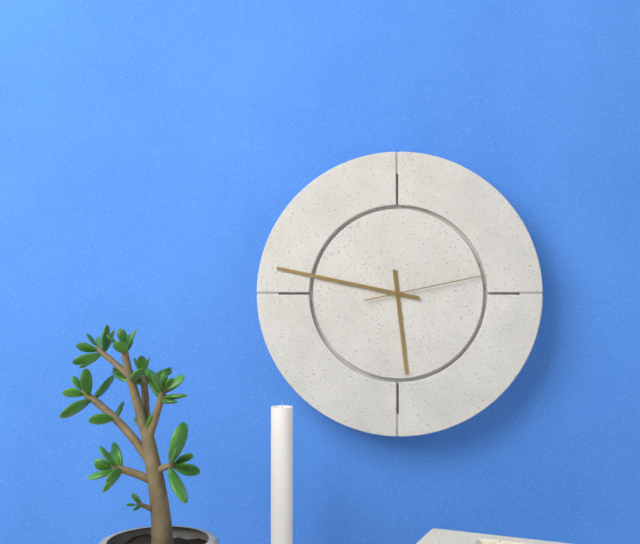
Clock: 5.47.13
